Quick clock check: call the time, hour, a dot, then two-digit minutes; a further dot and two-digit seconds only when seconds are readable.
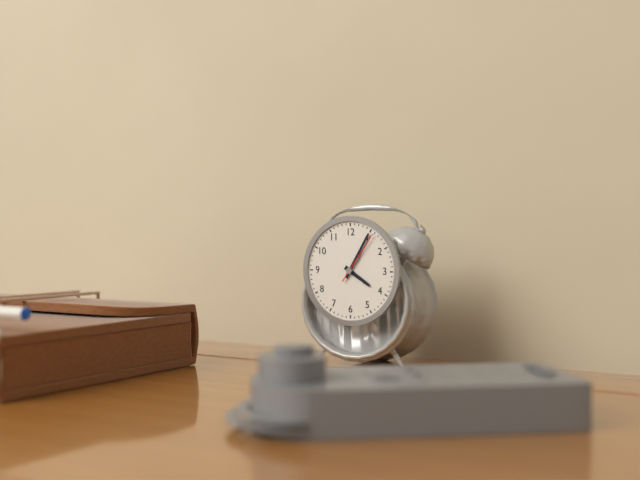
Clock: 4.05.06
